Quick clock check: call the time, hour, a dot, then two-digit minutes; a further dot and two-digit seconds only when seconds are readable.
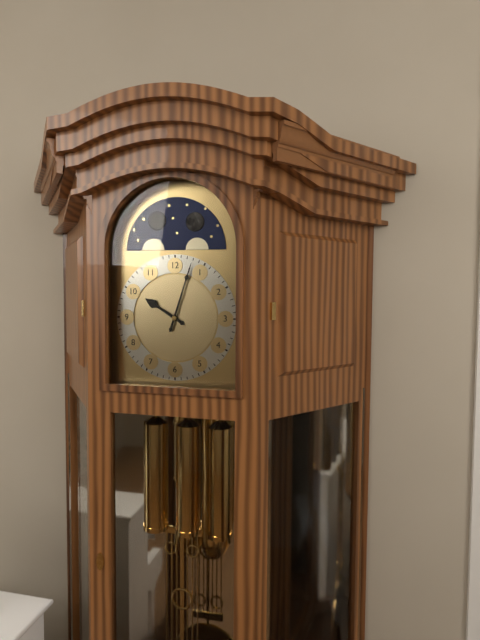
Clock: 10.03
